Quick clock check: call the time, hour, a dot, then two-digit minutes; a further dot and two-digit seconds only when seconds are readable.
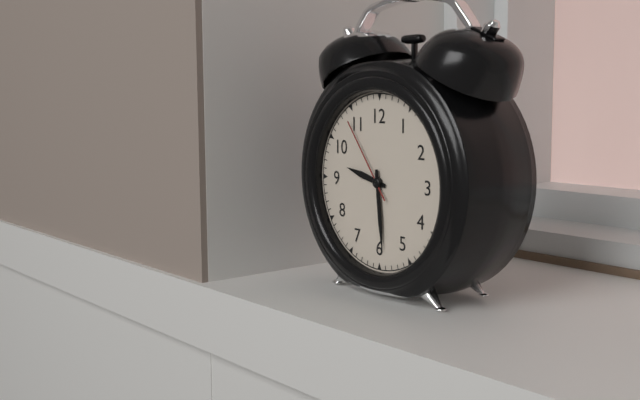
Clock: 9.29.54
